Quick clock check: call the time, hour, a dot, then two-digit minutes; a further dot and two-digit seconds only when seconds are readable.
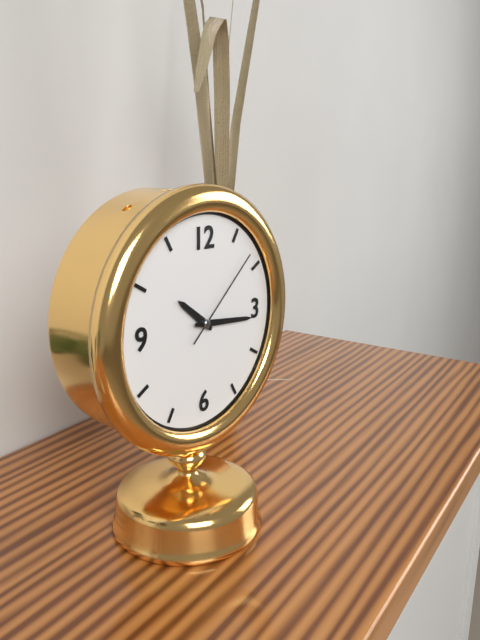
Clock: 10.16.08
